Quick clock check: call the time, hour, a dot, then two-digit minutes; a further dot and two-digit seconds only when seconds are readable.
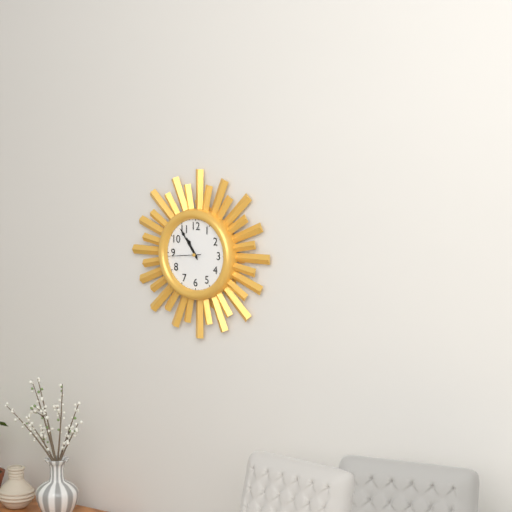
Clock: 10.54
